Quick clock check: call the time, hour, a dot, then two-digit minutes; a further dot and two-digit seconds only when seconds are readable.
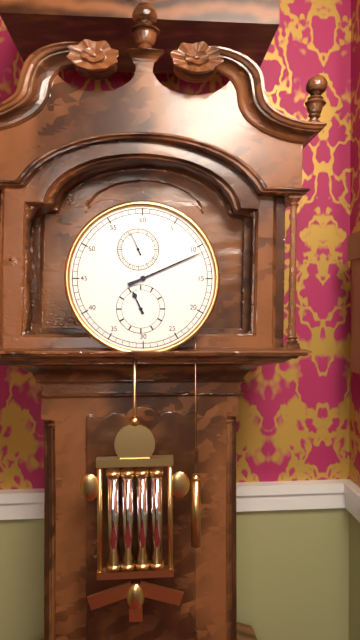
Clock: 11.11
